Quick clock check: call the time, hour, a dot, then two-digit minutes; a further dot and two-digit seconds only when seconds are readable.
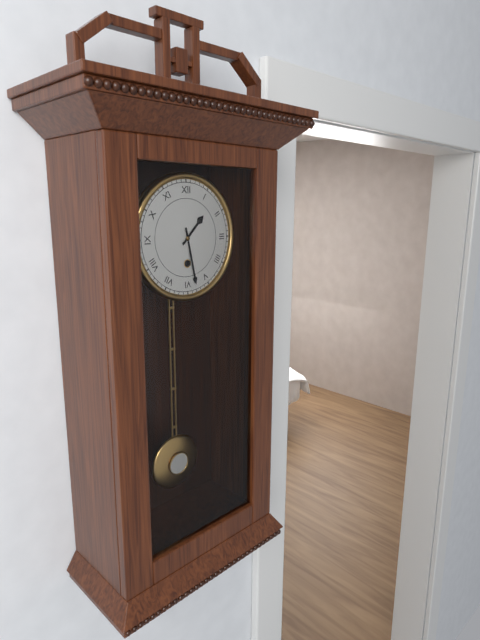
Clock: 1.28
